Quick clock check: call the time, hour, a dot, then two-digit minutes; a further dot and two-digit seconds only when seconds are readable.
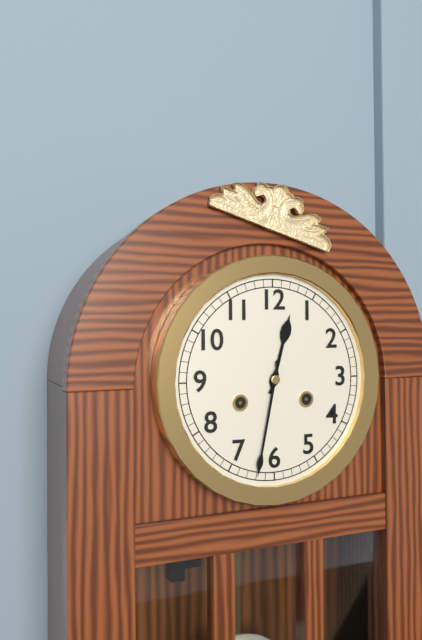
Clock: 12.32
